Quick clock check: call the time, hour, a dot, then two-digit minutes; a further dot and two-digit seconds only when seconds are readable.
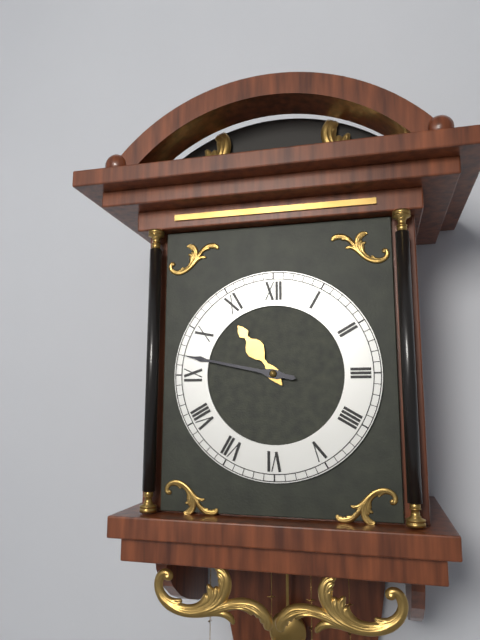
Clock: 10.47
